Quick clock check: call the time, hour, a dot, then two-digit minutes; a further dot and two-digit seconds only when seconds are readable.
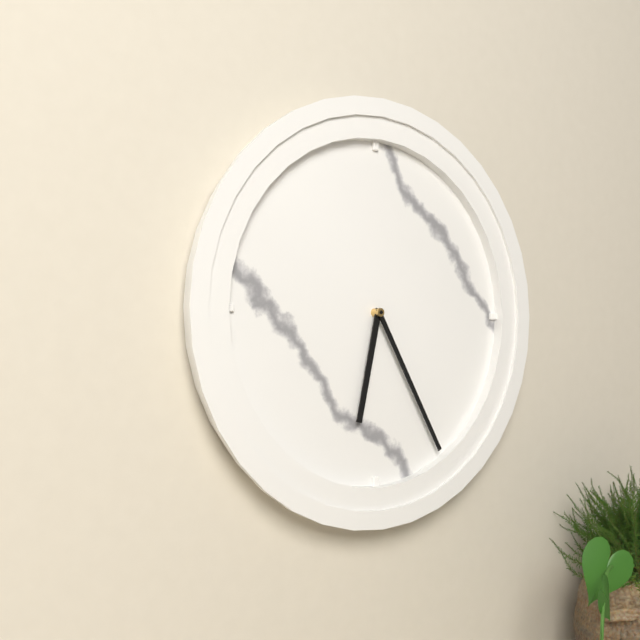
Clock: 6.25
